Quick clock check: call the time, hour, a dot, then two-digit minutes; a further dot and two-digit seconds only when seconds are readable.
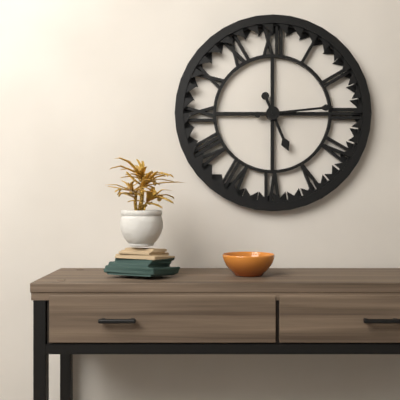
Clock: 5.14
